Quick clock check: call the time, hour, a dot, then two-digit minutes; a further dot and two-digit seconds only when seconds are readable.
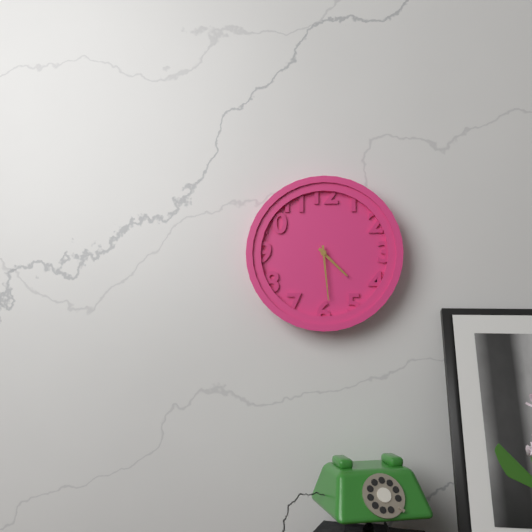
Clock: 4.29
